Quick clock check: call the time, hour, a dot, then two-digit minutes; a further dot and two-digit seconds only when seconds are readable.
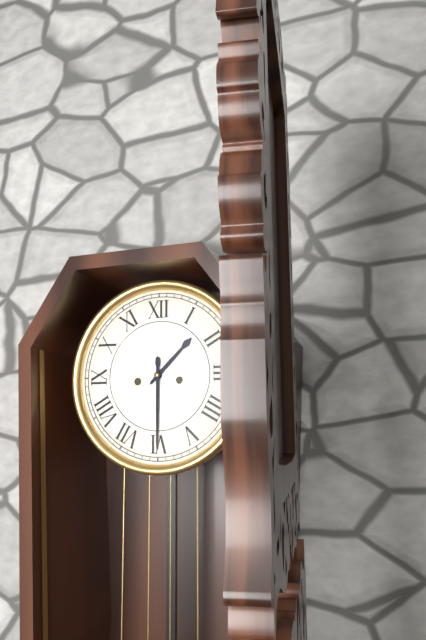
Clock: 1.30
